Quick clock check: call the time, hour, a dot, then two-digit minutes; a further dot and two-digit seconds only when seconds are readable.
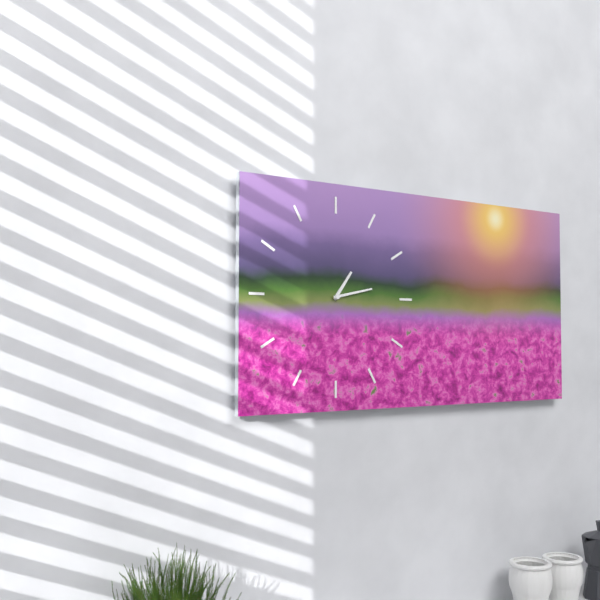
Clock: 1.13
